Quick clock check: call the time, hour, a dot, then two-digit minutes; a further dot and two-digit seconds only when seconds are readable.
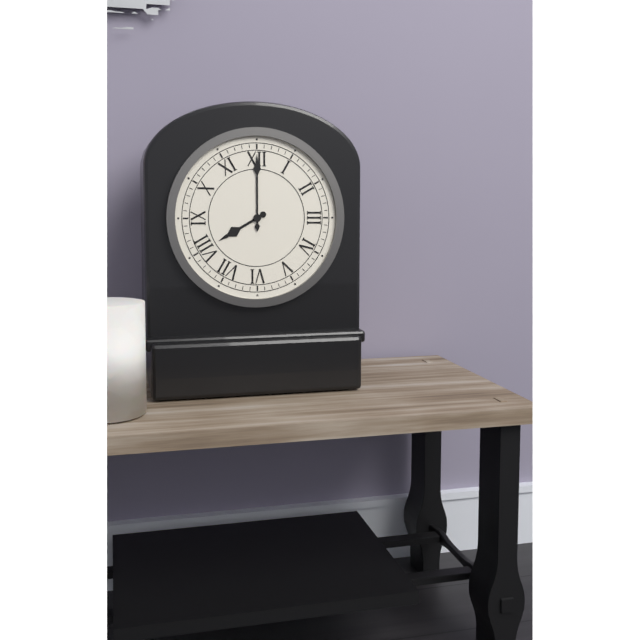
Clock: 8.00
